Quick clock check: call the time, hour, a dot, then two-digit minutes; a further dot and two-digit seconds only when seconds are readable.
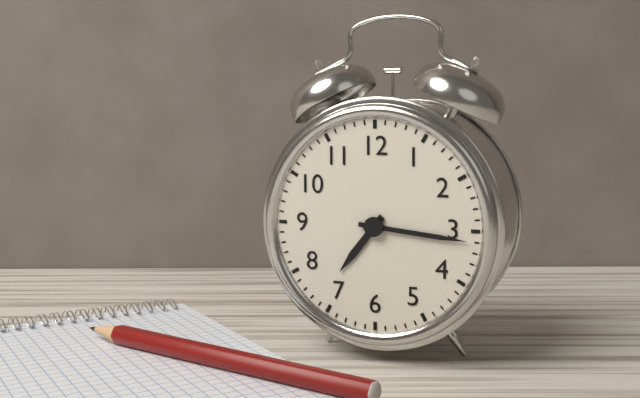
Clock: 7.16
